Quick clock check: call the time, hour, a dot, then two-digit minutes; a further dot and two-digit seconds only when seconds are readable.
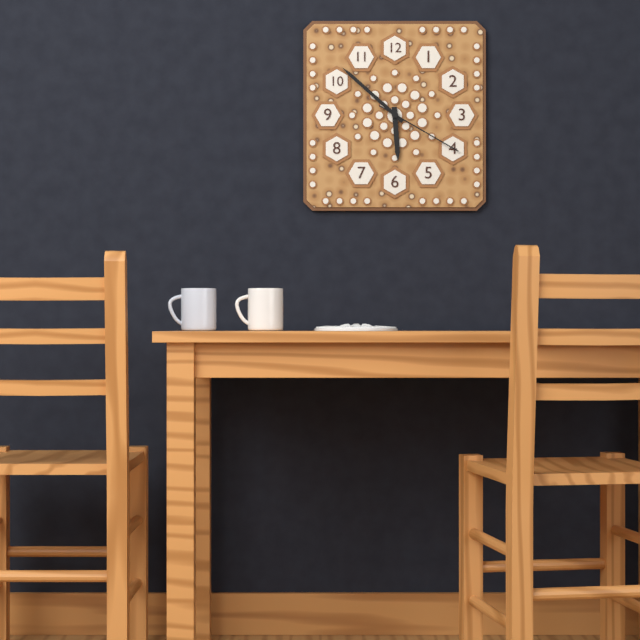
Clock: 5.52.20
